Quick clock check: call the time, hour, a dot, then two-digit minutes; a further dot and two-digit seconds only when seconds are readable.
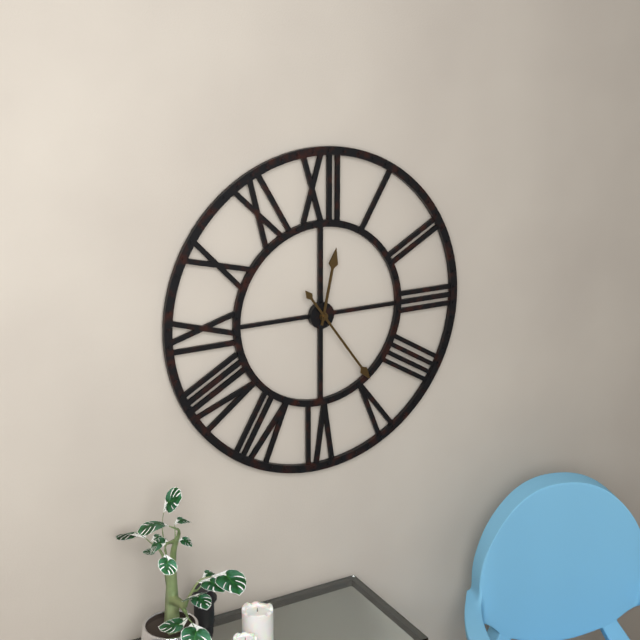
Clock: 12.24
